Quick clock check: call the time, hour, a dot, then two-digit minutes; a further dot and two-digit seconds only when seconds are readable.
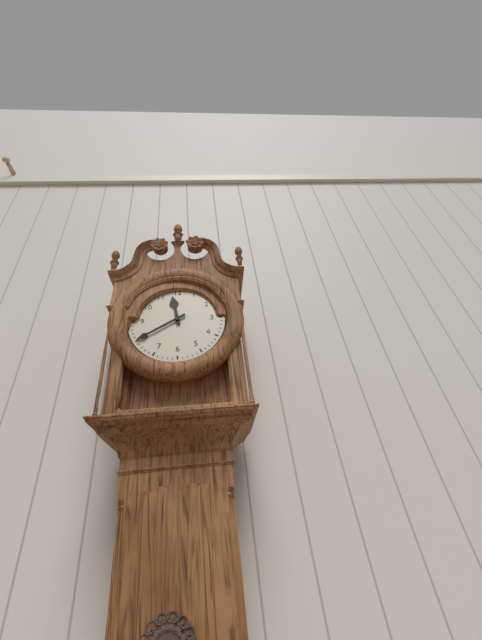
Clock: 11.40
